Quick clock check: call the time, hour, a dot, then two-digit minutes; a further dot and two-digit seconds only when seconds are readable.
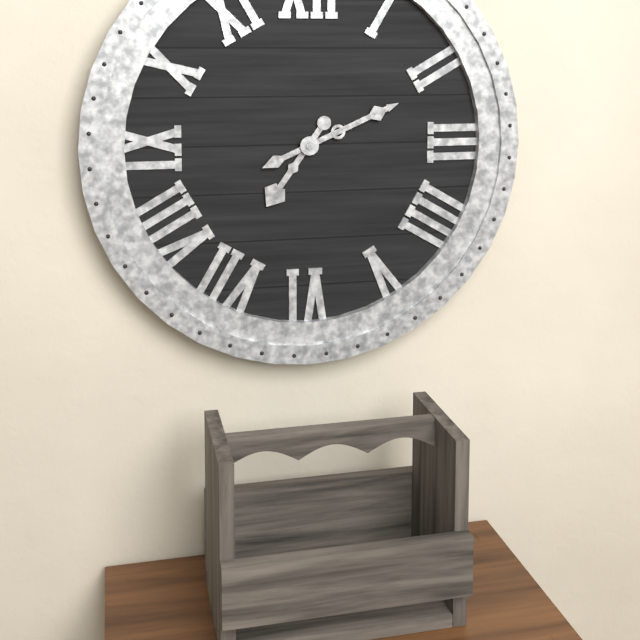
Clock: 7.11
